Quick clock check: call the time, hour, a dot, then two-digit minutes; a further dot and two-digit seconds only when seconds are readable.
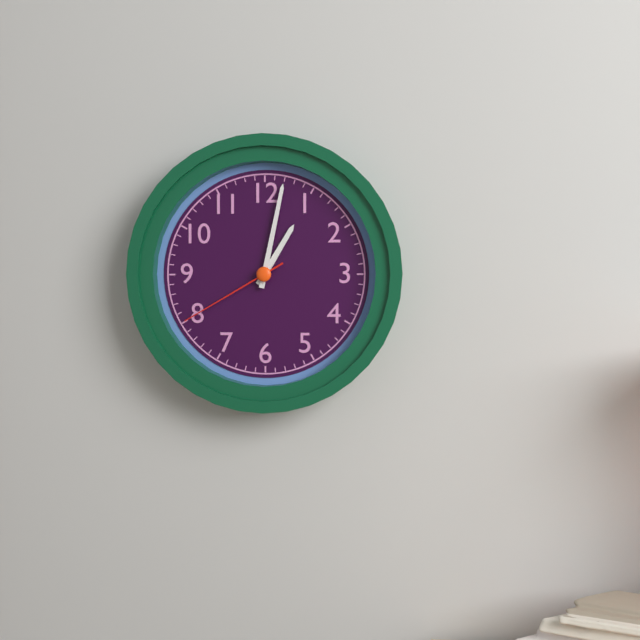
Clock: 1.02.40
